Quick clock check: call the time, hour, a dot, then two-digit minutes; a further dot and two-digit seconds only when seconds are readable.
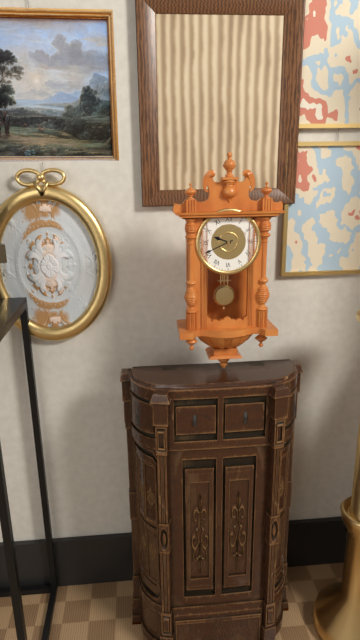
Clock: 9.41
